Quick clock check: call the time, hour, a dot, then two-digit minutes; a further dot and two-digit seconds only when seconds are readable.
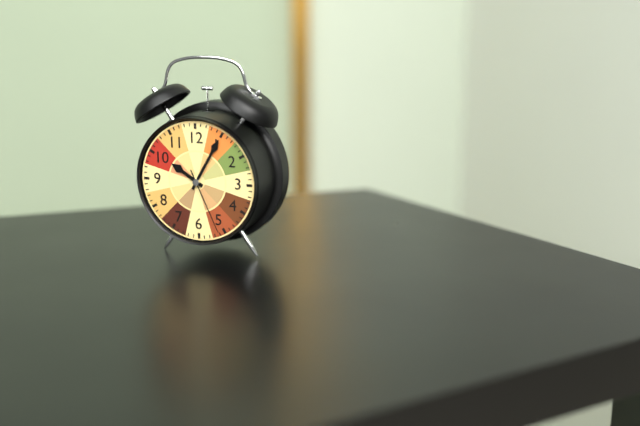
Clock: 10.05.26
